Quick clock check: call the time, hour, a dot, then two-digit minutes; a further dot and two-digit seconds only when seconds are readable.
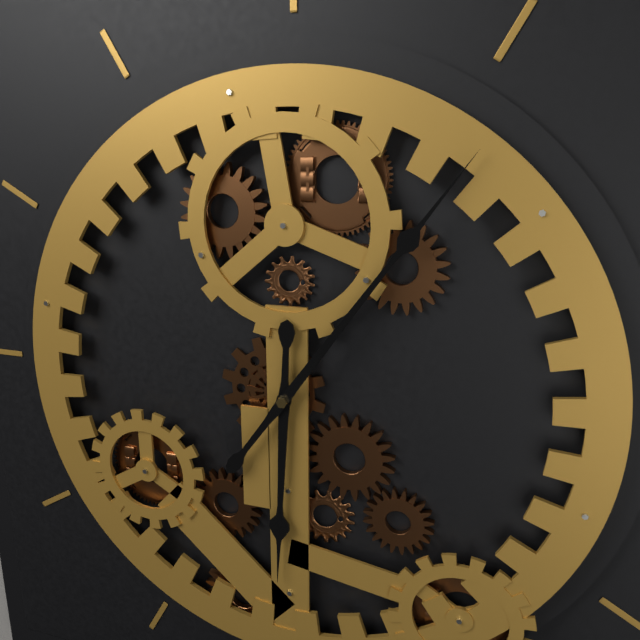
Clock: 6.06
